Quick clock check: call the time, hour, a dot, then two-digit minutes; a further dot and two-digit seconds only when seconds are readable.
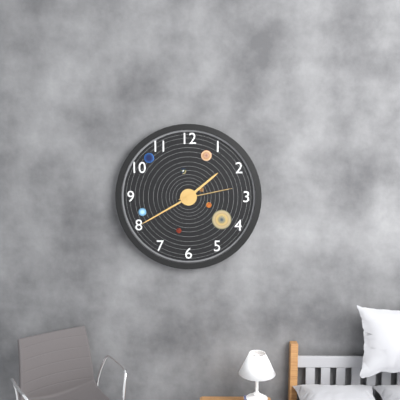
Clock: 1.40.13
